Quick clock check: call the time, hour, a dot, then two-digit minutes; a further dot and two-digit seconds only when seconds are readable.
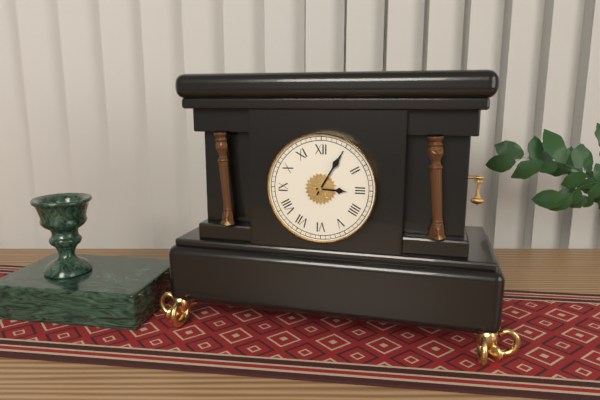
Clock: 3.05
